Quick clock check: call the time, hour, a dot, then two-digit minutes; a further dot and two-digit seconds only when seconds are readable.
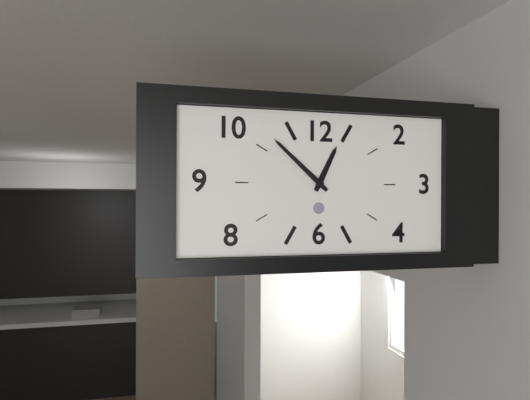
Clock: 12.52
